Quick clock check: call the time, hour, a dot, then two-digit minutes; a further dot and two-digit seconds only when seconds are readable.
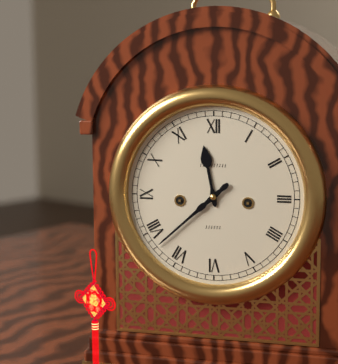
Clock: 11.38
